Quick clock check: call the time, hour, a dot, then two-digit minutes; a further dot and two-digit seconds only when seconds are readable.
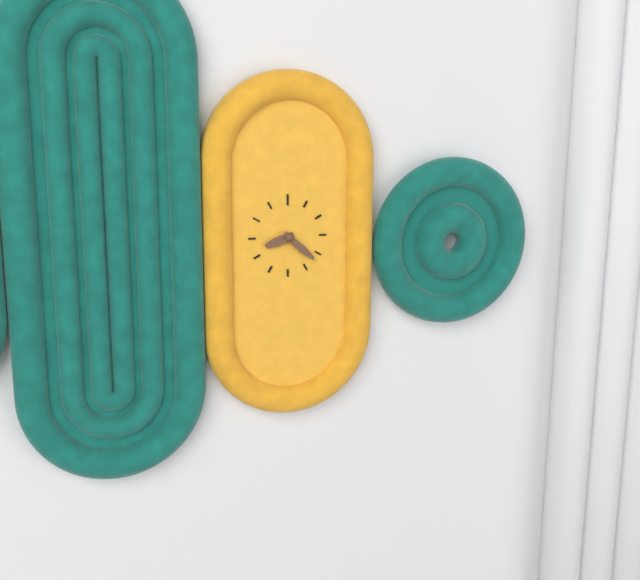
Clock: 8.22
